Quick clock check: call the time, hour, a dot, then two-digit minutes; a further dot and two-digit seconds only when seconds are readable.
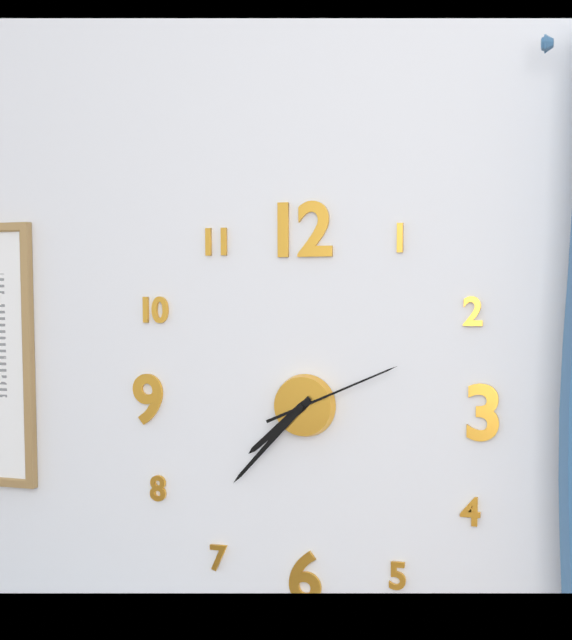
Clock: 7.37.11
